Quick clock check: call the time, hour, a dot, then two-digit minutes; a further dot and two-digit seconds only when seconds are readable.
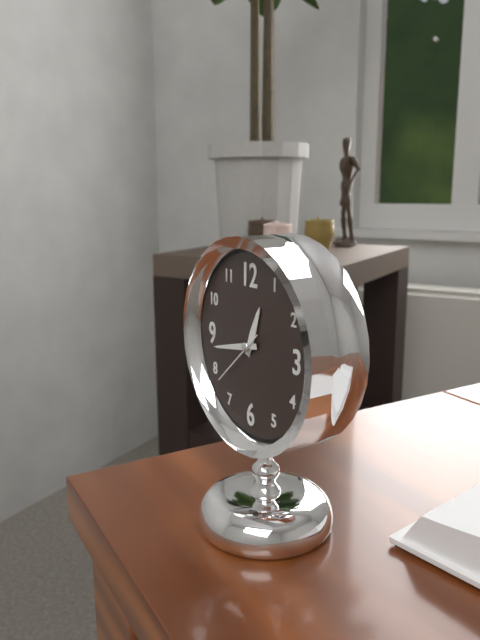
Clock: 12.43.38
